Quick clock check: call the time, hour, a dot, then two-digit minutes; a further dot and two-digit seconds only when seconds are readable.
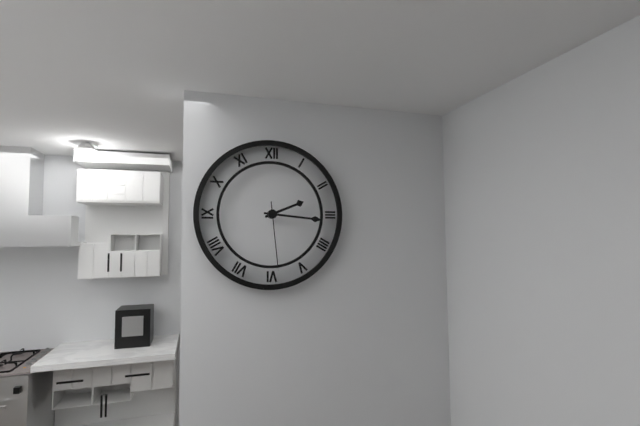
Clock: 2.16.29
